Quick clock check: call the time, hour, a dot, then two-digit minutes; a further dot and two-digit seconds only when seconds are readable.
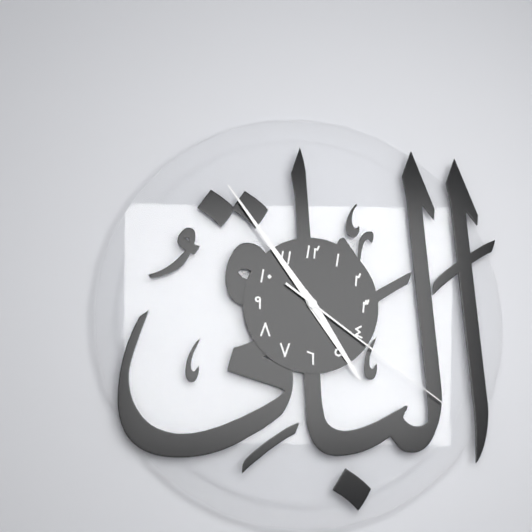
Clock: 4.54.21
